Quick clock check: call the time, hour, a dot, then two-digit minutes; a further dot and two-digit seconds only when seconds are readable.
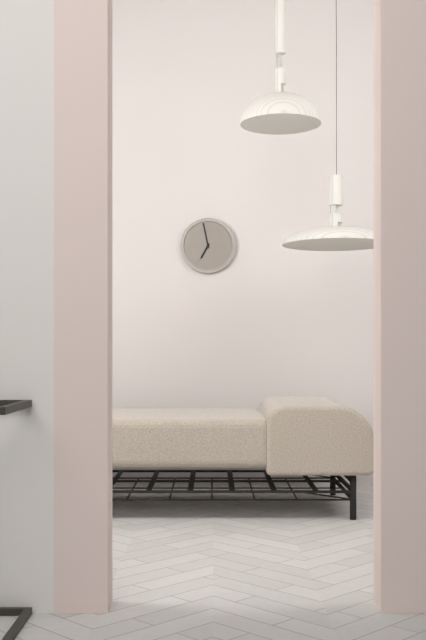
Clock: 6.58
